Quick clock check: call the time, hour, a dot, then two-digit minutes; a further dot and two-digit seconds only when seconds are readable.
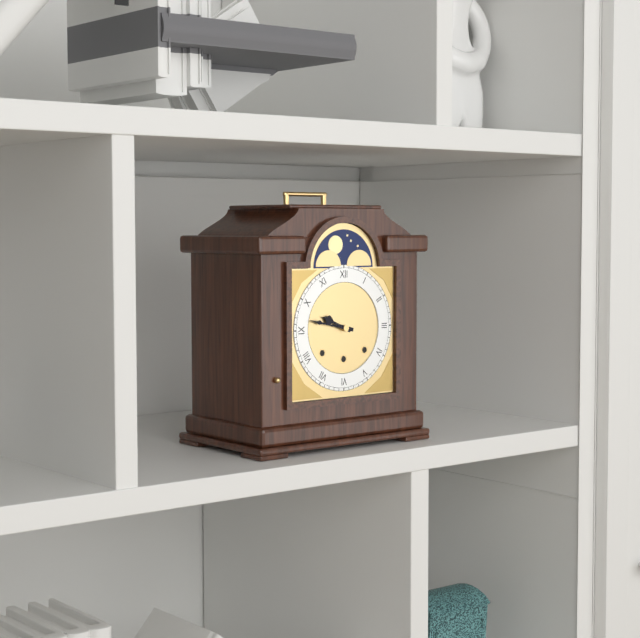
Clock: 9.47
